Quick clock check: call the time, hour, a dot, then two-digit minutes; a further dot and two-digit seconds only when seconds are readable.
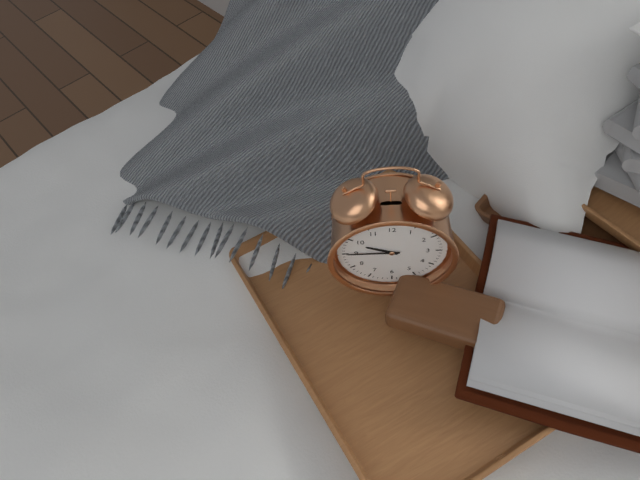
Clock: 9.45
